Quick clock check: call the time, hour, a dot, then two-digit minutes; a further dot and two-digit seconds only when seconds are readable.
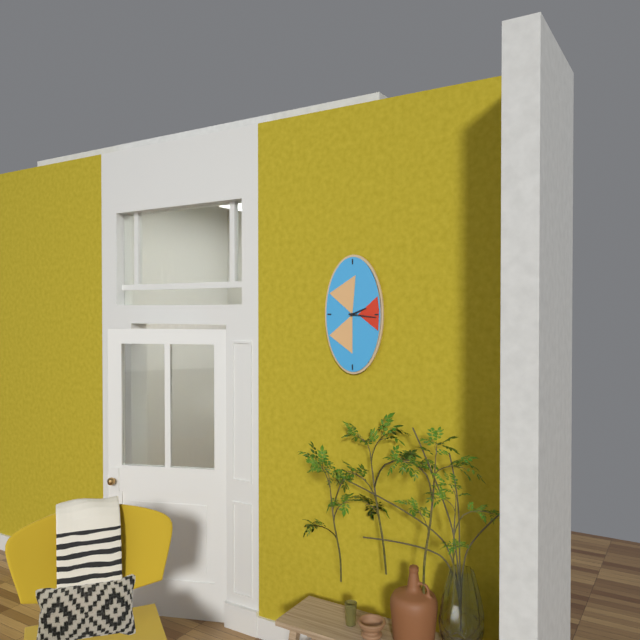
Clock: 2.16
